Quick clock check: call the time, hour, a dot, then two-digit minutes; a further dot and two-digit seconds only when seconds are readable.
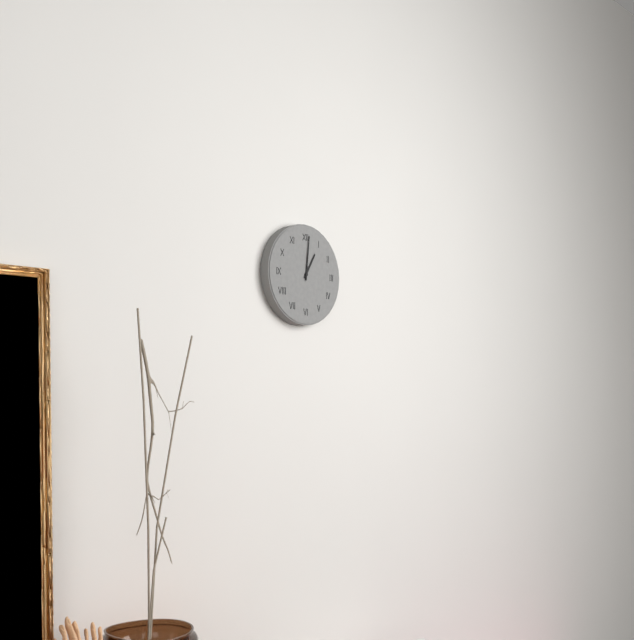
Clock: 1.01
